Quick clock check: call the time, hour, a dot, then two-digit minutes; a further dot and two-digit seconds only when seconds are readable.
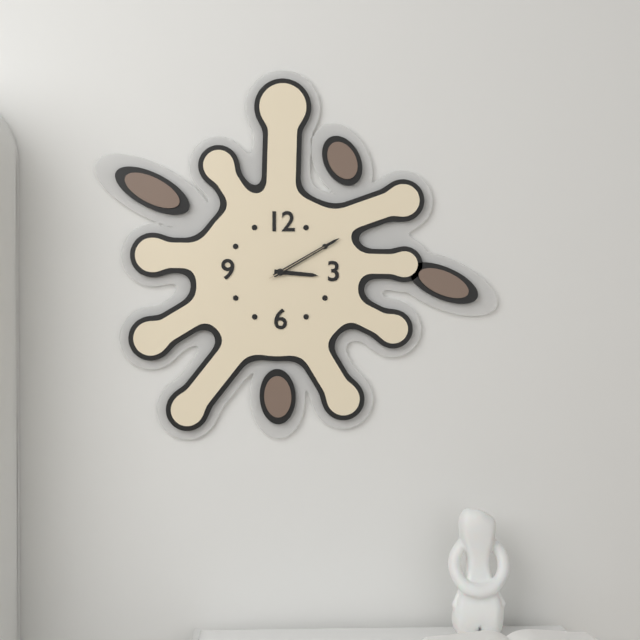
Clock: 3.10.10
